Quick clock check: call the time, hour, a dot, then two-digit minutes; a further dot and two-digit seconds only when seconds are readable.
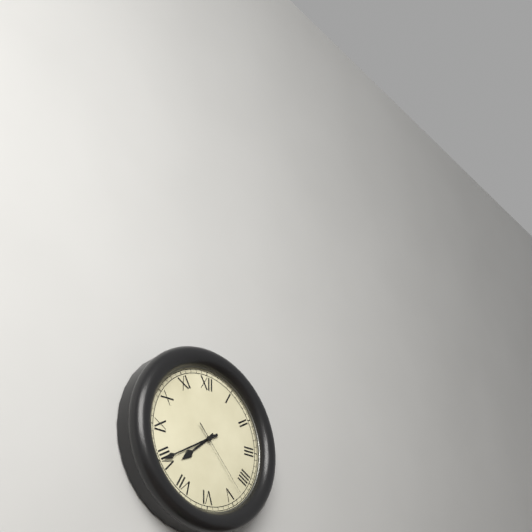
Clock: 7.40.23
